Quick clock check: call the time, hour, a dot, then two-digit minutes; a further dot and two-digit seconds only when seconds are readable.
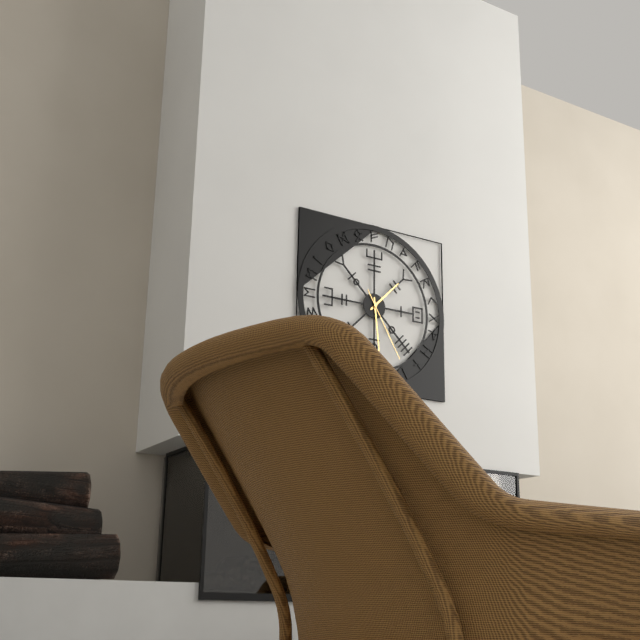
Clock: 1.29.25
